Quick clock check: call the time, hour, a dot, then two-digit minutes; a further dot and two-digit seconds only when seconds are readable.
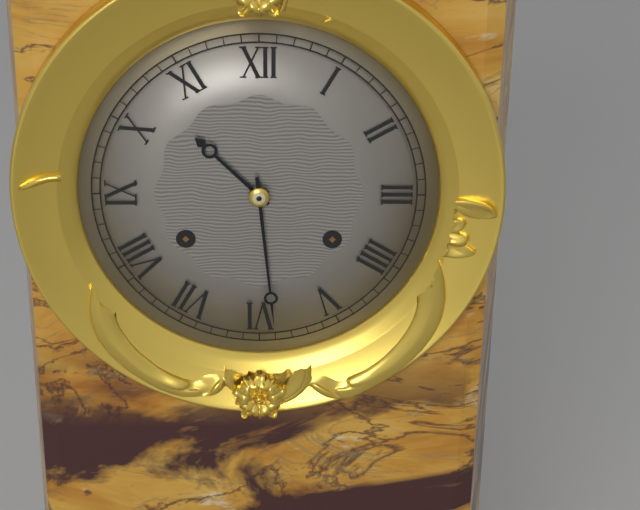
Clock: 10.29
